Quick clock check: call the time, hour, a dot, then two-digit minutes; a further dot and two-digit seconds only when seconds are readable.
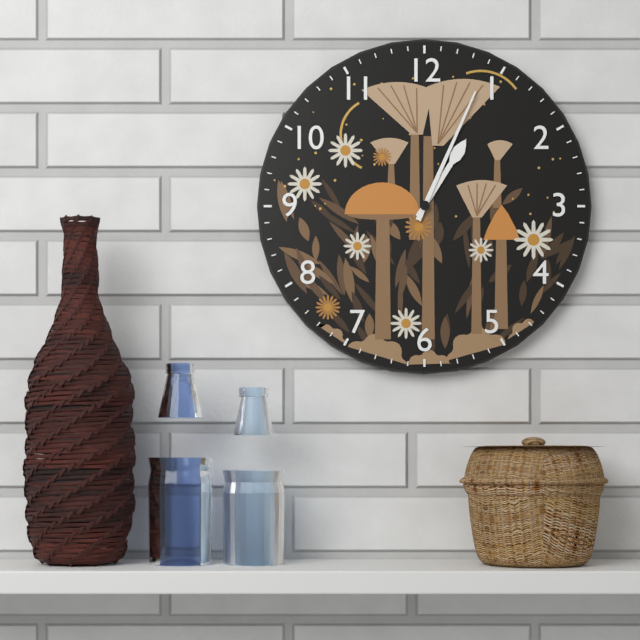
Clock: 1.04
